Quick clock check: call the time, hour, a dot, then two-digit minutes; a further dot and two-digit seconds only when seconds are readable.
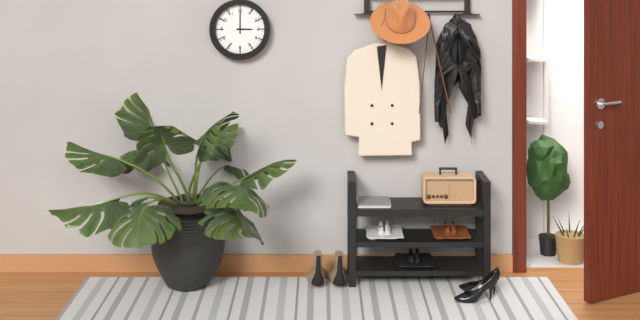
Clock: 3.00
